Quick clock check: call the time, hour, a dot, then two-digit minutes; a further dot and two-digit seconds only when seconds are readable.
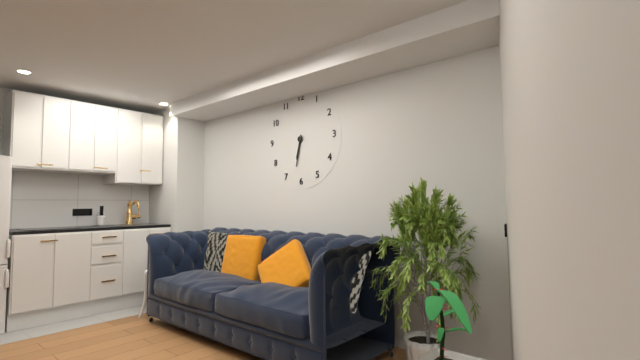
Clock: 6.32
